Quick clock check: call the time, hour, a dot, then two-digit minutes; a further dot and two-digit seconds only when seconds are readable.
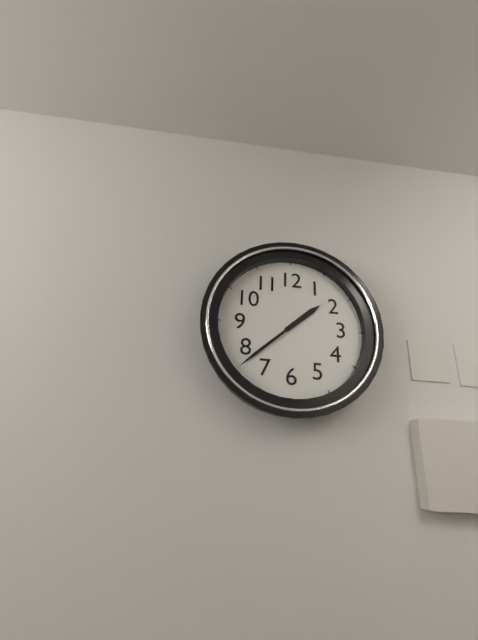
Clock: 1.38
